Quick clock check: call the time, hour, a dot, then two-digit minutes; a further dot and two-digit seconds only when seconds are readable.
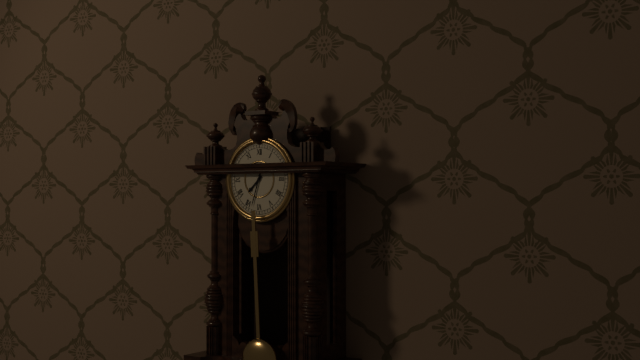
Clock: 7.33
